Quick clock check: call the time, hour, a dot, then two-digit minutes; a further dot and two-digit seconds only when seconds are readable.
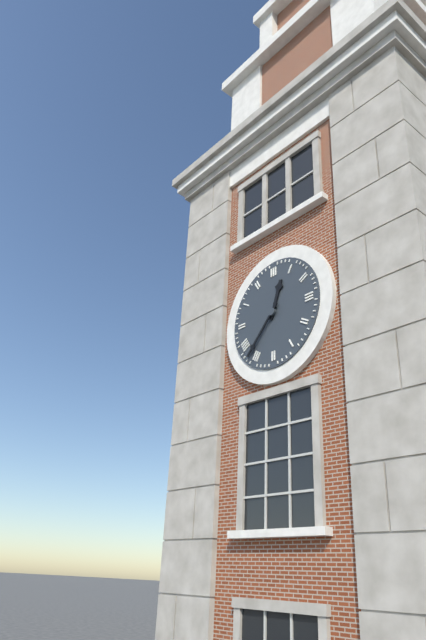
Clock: 12.37
